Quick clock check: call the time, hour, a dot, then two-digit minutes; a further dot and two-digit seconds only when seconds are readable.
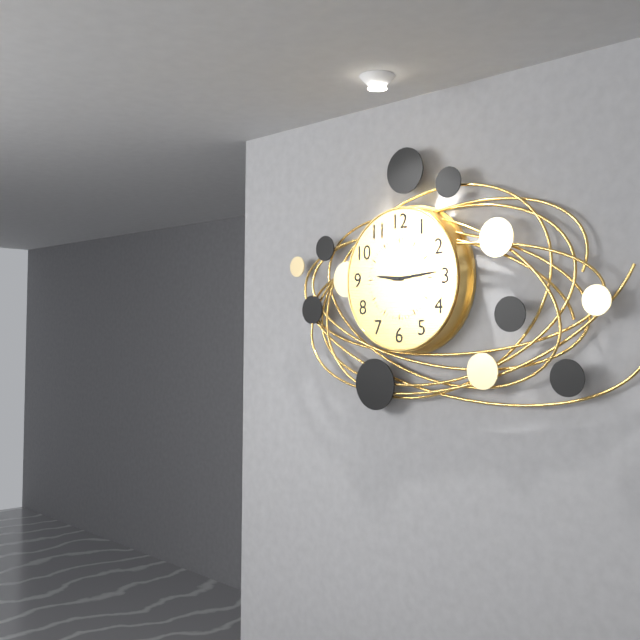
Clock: 9.14
